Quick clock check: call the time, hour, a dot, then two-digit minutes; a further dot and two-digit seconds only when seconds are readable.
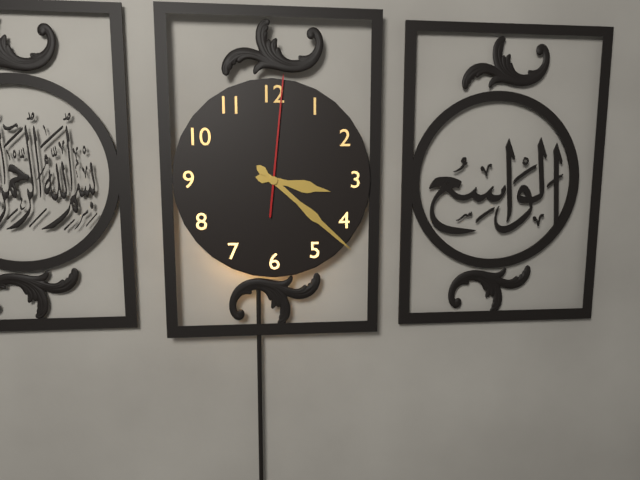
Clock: 3.22.01
